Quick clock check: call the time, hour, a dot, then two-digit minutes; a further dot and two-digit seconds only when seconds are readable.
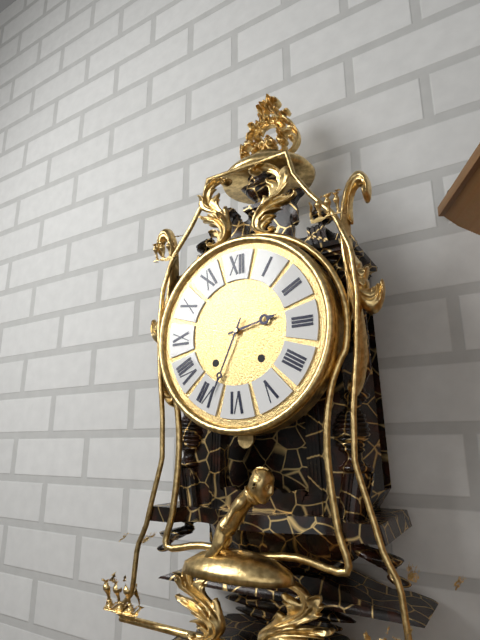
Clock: 2.34
